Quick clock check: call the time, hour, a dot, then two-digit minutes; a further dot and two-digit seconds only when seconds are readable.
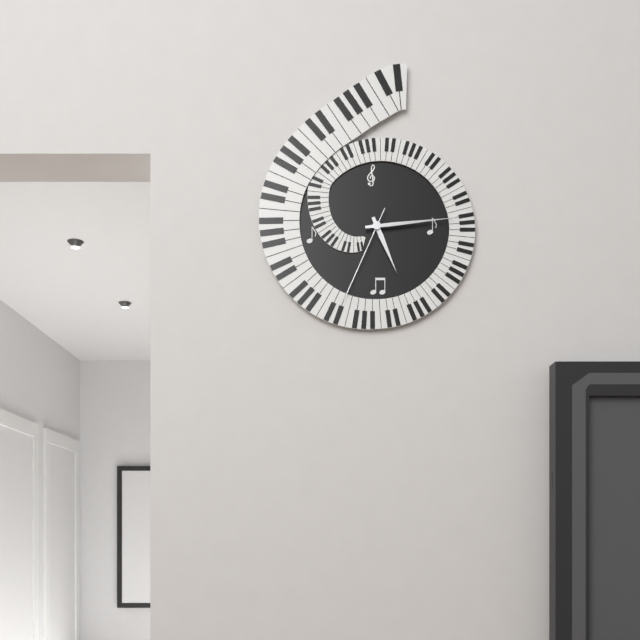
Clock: 5.14.34
